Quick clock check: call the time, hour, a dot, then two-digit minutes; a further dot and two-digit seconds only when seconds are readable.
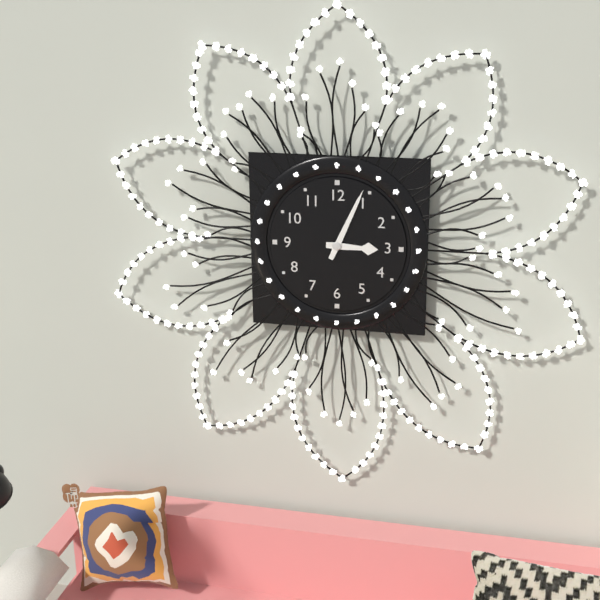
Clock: 3.04
